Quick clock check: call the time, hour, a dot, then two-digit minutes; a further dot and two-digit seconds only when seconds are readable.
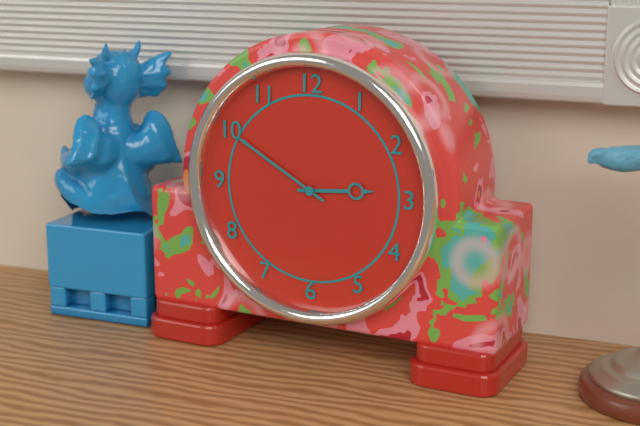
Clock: 2.50
